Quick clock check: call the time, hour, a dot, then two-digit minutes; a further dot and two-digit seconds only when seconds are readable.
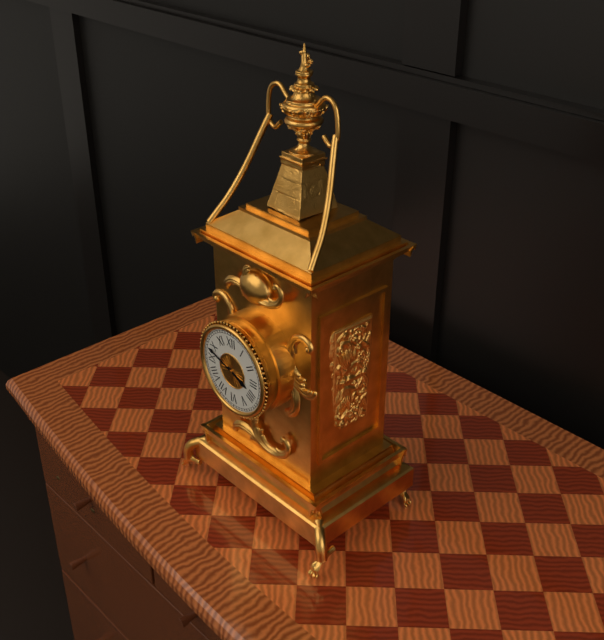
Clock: 3.48
